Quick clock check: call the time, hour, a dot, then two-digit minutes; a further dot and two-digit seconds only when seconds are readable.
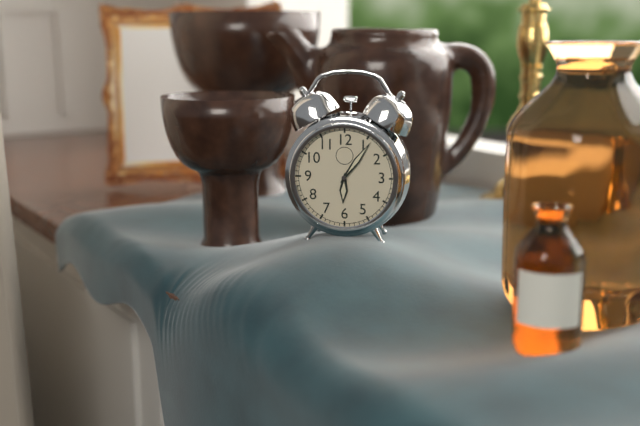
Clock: 6.06
